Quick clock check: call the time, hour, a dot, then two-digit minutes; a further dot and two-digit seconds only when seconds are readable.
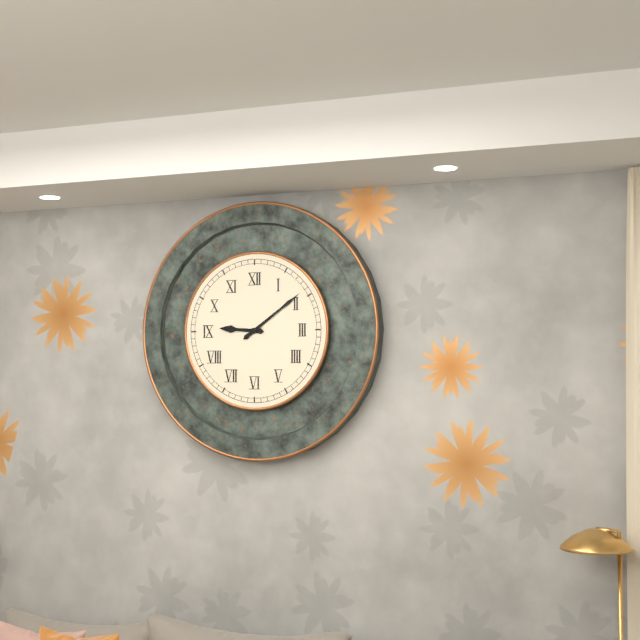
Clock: 9.09
